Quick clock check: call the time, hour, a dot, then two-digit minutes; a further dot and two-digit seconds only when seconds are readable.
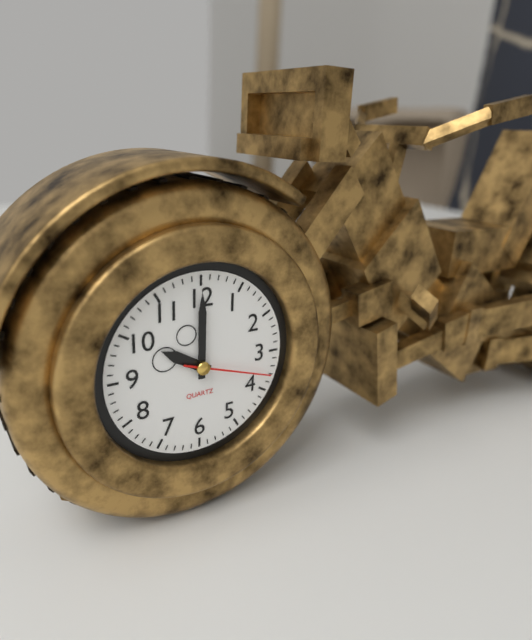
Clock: 10.00.18
